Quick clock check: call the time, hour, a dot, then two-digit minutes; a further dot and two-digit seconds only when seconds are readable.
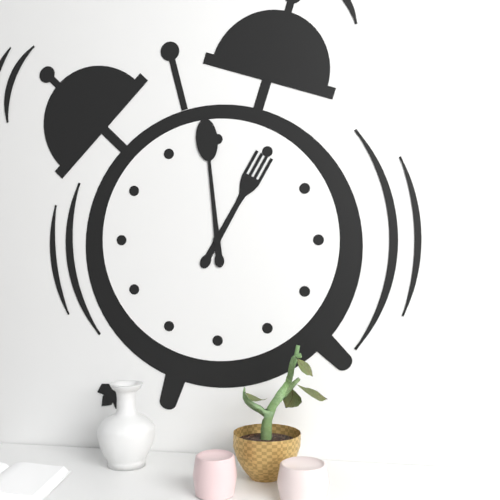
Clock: 12.59
